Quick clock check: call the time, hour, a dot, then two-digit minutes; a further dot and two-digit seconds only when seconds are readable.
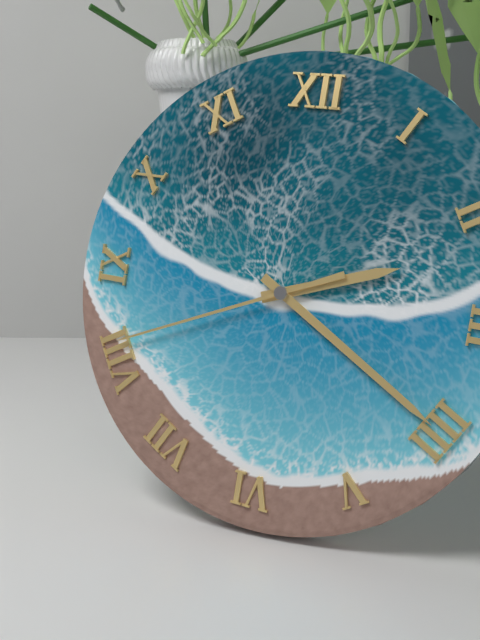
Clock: 2.20.41
